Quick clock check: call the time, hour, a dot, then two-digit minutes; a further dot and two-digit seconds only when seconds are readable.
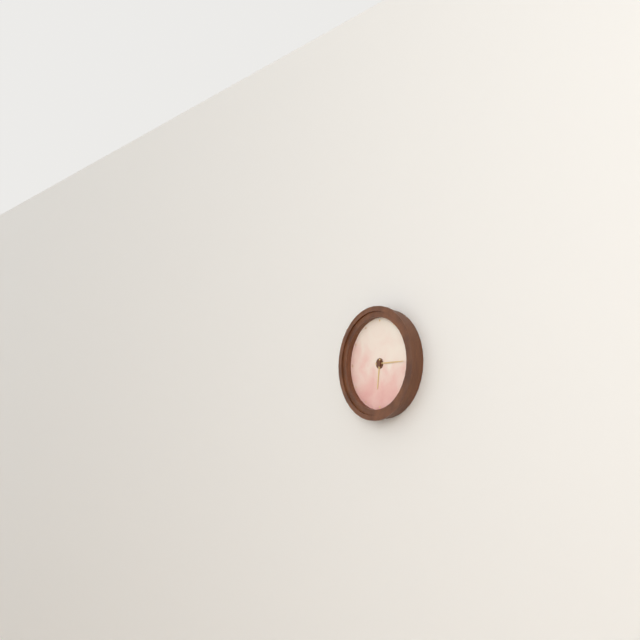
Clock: 6.15
